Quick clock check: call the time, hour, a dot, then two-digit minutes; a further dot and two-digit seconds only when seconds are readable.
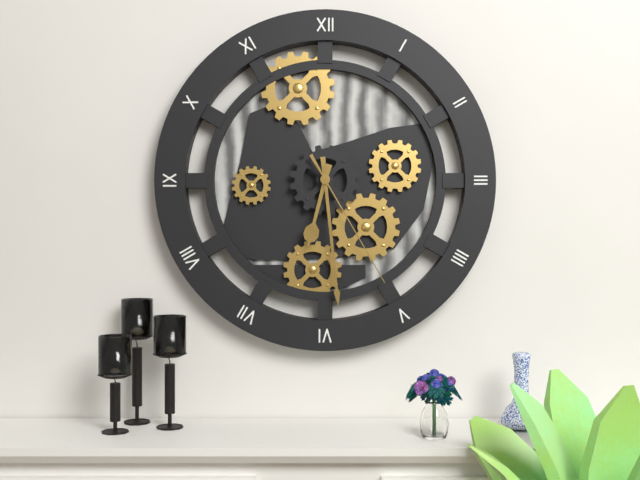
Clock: 6.29.25
